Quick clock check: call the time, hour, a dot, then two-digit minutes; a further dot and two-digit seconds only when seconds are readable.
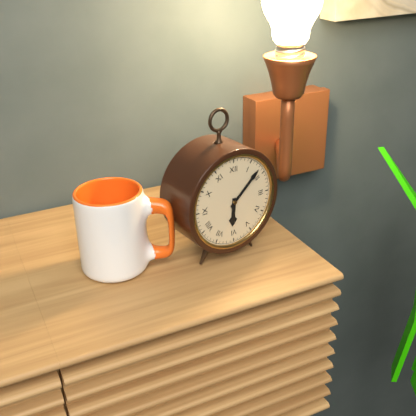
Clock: 6.08
